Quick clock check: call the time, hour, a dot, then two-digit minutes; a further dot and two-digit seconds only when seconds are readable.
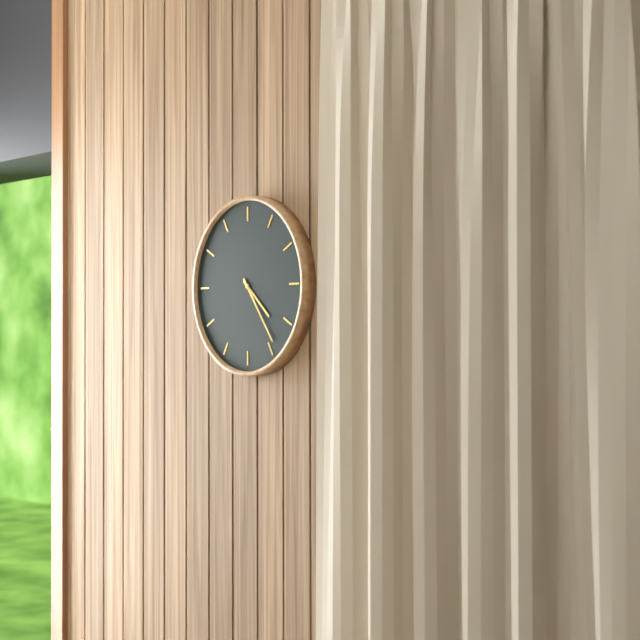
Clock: 4.24
